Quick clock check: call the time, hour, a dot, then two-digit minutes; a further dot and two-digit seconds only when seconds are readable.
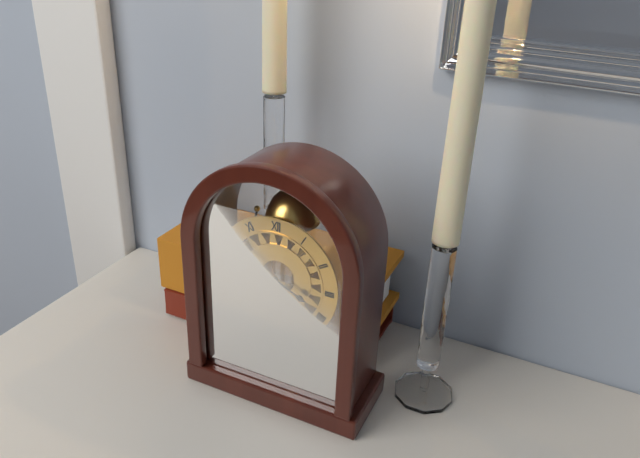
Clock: 3.50
